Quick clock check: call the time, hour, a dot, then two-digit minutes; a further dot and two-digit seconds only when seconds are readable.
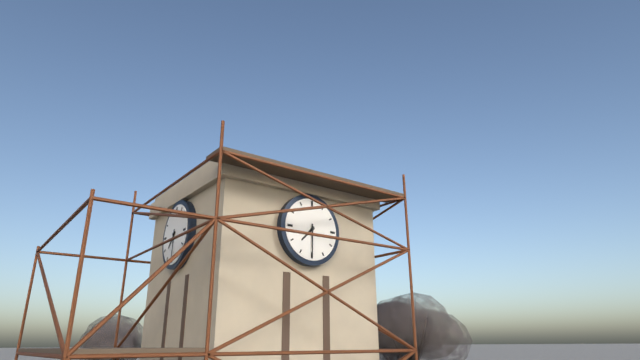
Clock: 7.30
